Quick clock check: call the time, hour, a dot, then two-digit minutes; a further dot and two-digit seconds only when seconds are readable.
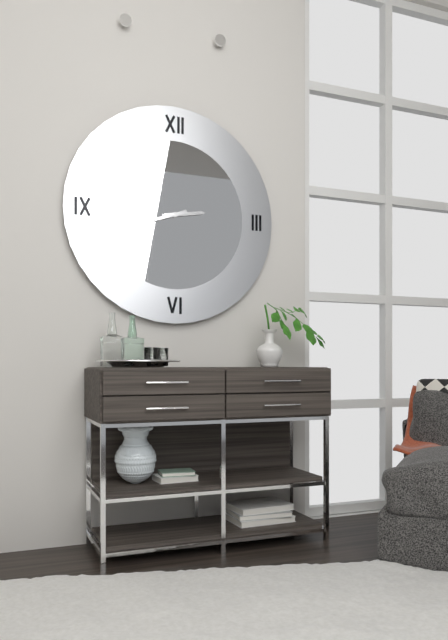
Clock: 2.42
